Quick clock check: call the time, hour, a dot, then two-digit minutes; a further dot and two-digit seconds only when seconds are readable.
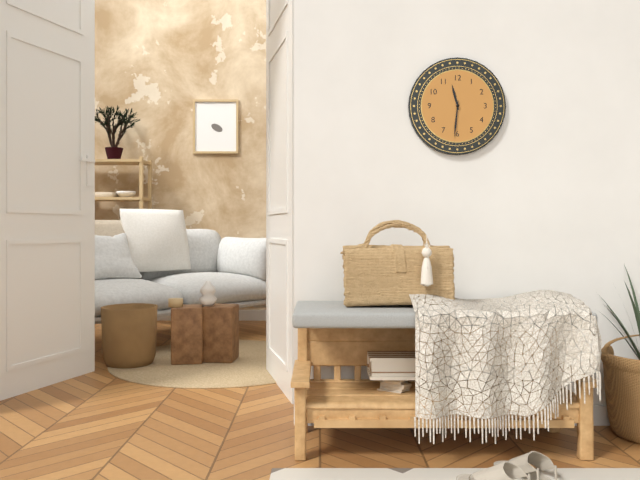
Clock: 11.31
